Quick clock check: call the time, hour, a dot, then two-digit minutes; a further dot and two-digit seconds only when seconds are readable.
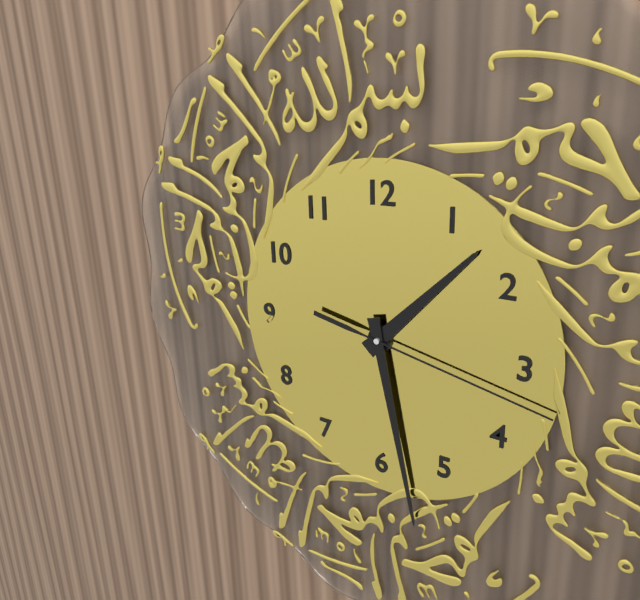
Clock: 1.28.17
